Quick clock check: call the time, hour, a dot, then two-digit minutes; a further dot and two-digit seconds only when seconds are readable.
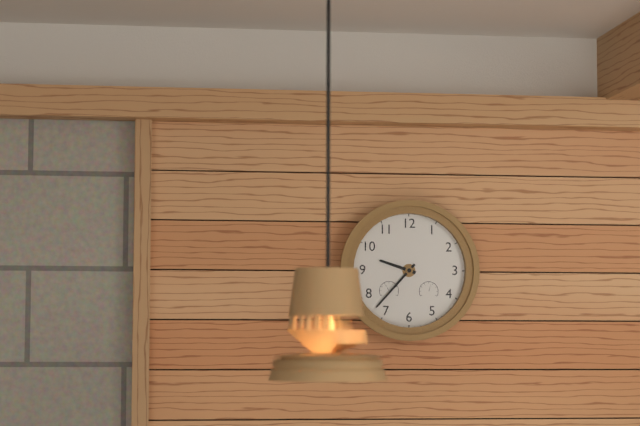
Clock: 9.37
